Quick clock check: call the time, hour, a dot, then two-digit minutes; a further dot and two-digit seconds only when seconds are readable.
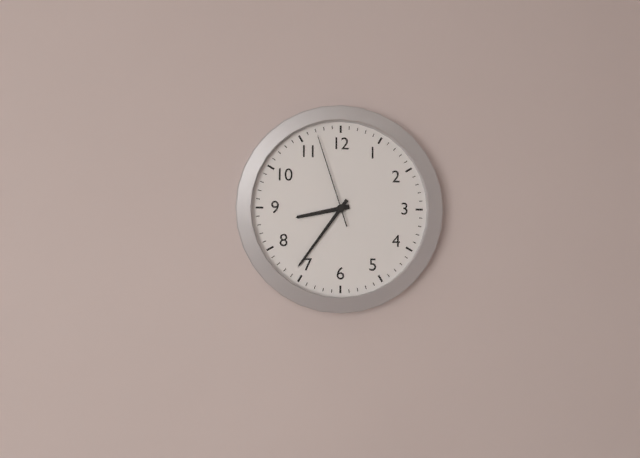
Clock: 8.36.57
